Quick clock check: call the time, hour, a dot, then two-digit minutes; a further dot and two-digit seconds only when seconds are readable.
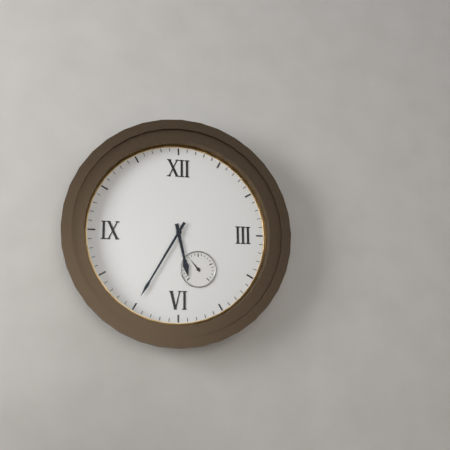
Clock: 5.35
